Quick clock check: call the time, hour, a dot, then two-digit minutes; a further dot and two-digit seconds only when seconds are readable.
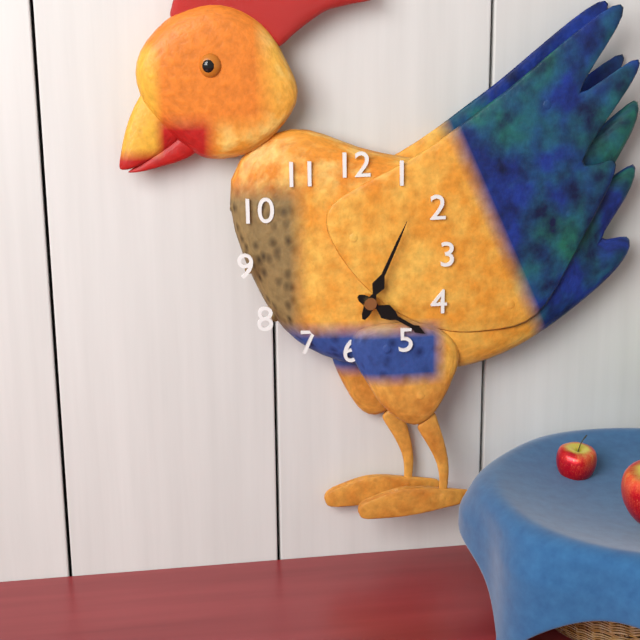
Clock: 4.04
